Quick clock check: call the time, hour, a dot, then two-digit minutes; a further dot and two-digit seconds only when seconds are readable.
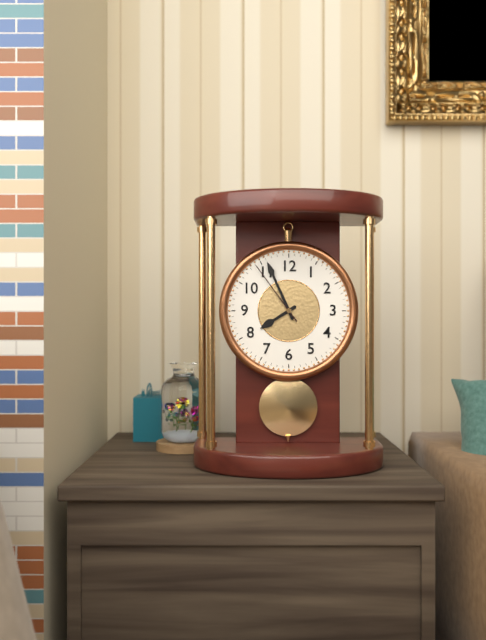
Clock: 7.56.54
